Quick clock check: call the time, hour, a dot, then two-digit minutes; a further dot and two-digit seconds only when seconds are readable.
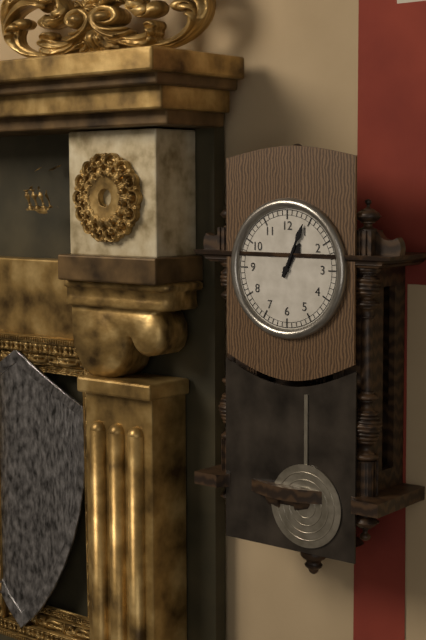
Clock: 1.04
